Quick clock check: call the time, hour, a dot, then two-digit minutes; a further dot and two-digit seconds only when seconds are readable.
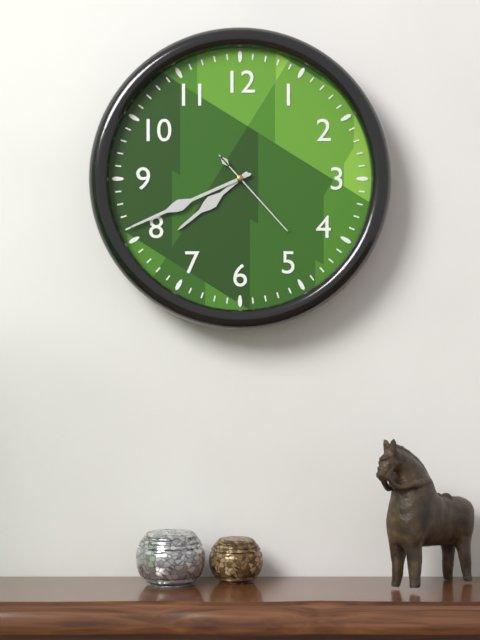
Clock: 7.41.23
